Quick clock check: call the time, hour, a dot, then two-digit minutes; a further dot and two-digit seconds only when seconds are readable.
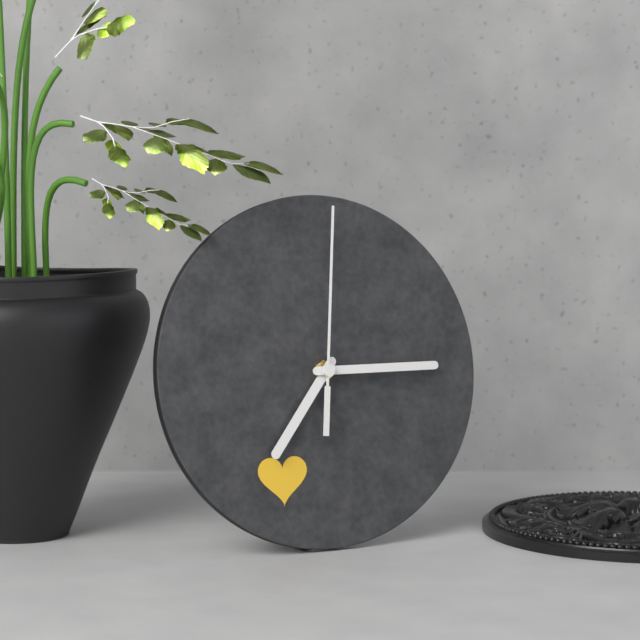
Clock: 7.15.01
